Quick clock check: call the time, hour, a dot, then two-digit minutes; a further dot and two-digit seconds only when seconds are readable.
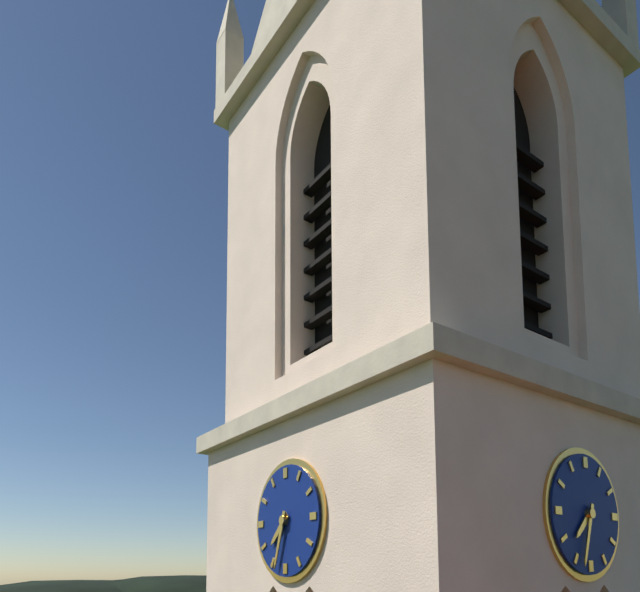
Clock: 7.33
